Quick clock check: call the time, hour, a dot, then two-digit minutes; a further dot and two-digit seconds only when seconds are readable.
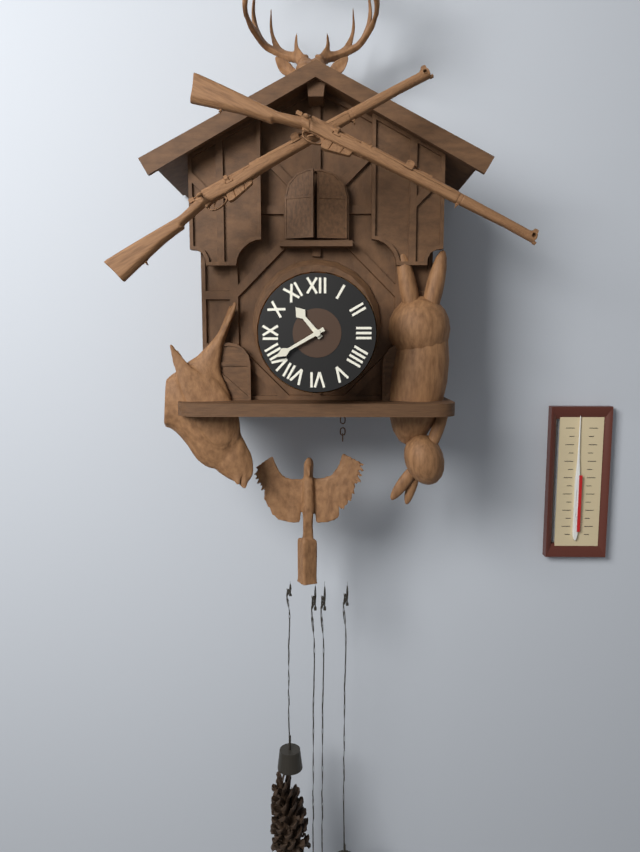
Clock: 10.40
